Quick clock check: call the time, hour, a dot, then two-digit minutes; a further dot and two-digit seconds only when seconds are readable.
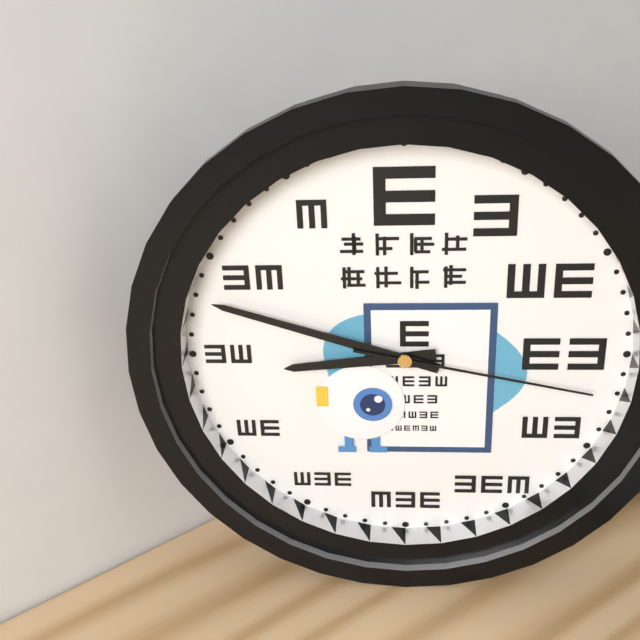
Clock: 8.48.17
